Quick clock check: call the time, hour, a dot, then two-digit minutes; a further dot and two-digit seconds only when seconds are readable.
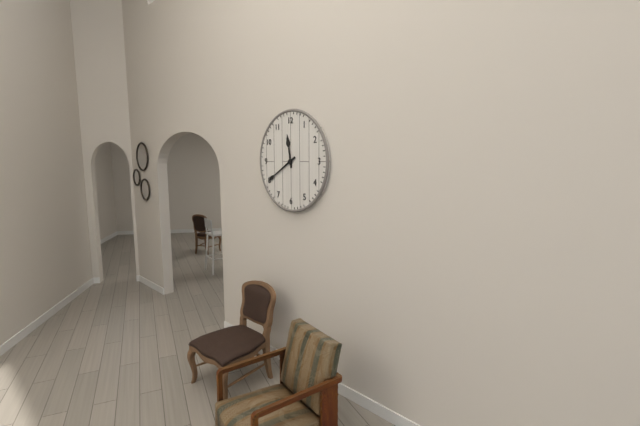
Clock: 11.40
